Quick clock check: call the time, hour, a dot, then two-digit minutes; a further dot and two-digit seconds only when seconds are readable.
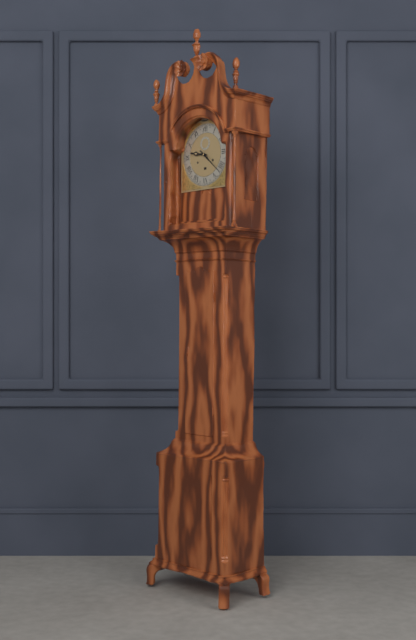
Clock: 9.22
